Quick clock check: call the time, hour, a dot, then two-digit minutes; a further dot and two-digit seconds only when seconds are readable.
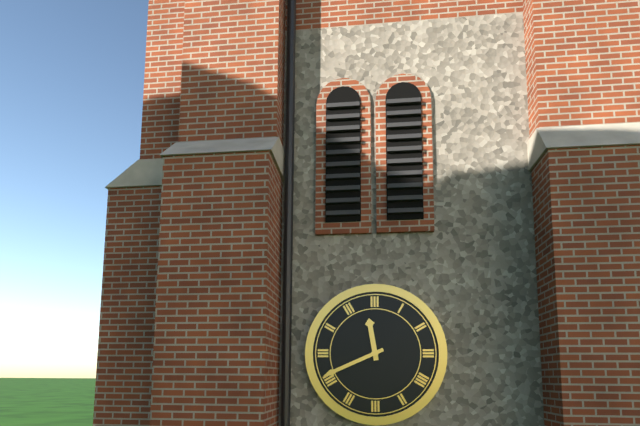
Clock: 11.41
